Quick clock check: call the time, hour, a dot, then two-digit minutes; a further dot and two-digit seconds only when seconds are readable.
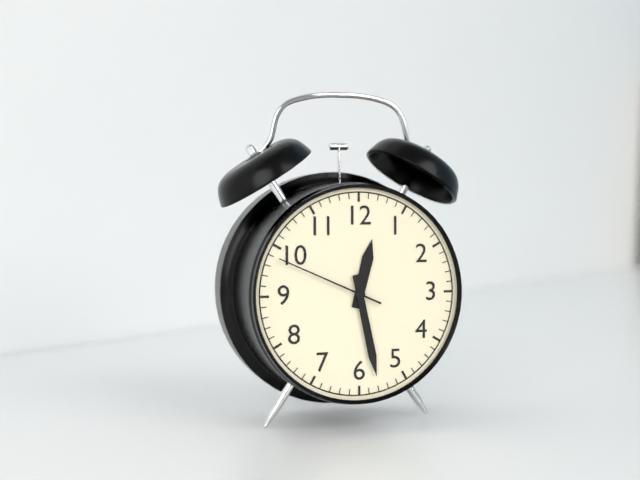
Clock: 12.28.49
